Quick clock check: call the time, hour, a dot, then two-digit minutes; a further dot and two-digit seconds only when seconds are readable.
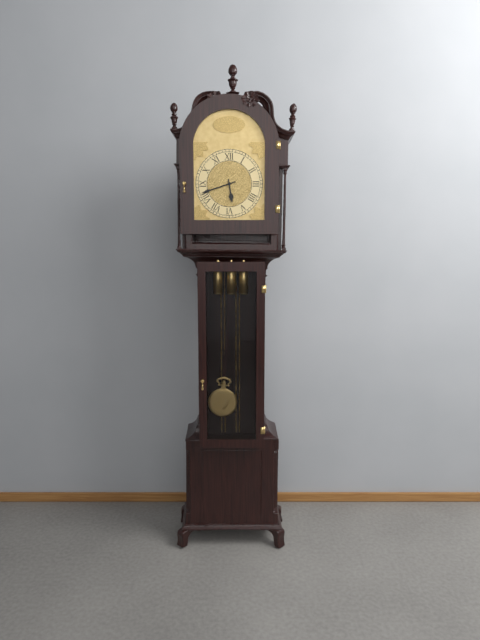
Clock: 5.42
